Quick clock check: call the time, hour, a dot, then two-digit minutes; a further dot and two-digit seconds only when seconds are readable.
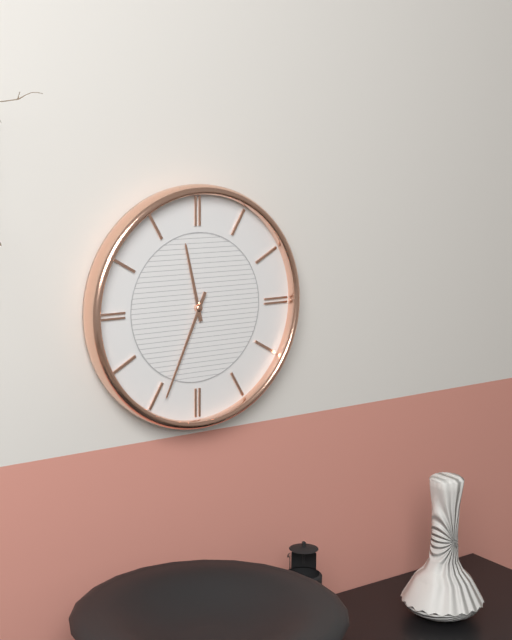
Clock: 11.34
